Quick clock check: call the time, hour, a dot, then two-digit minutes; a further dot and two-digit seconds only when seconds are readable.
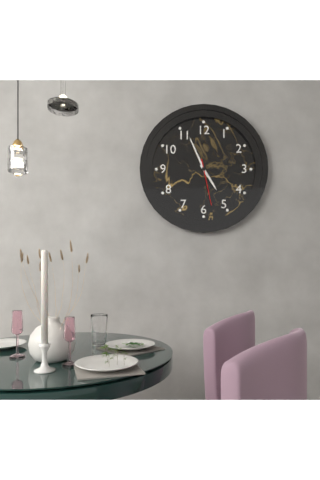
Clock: 4.56
